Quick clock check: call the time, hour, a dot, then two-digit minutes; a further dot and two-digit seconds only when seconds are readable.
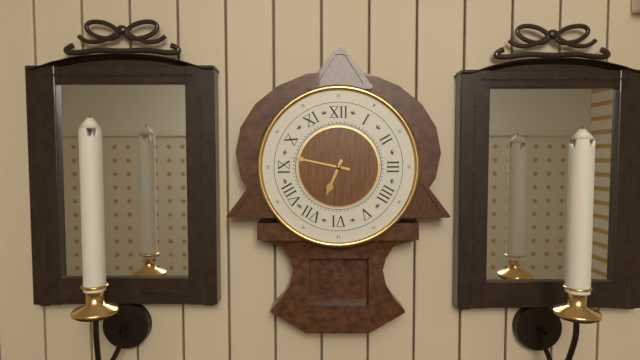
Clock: 6.47
